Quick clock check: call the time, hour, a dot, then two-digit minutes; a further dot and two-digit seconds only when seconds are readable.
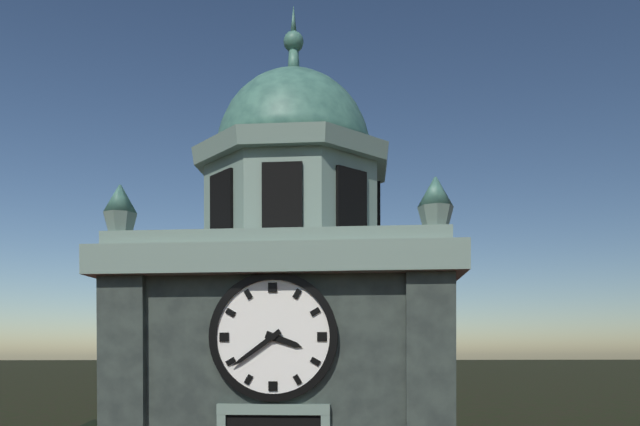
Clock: 3.39
